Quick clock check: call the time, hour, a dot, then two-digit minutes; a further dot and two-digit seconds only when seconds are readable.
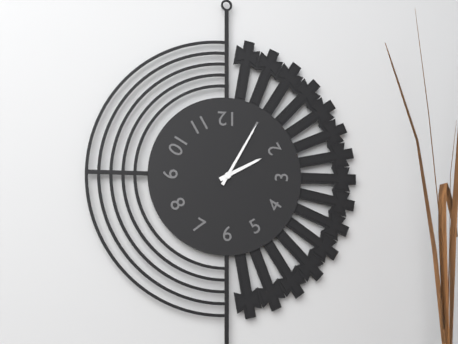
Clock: 2.05
